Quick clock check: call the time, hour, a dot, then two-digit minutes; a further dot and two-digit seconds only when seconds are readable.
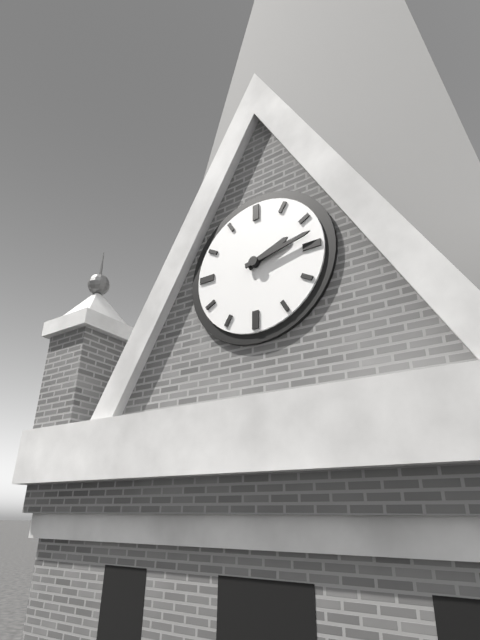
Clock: 2.13
